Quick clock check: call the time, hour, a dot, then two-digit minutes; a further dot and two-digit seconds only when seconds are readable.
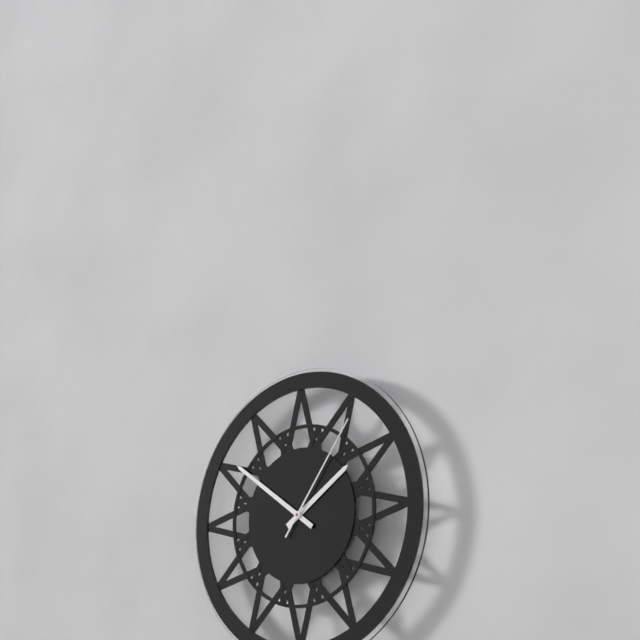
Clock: 1.51.06
